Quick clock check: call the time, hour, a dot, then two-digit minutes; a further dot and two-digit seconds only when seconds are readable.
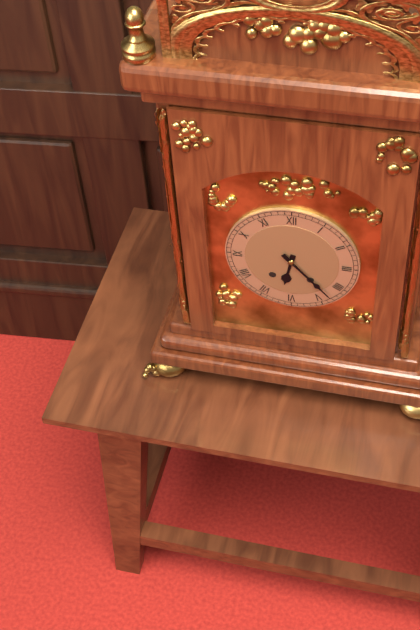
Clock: 6.23
